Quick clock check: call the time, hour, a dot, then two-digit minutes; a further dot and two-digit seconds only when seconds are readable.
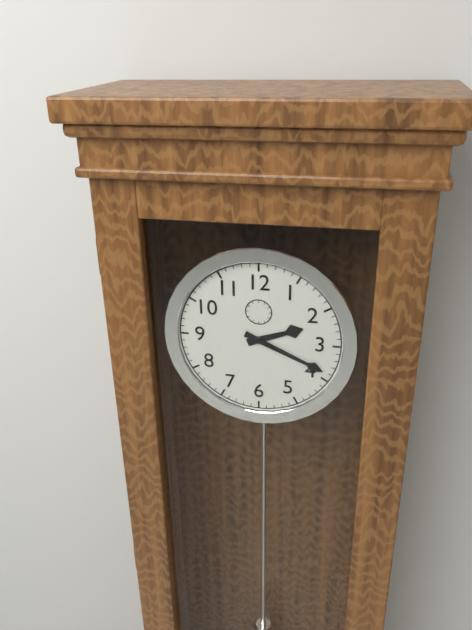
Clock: 2.19
